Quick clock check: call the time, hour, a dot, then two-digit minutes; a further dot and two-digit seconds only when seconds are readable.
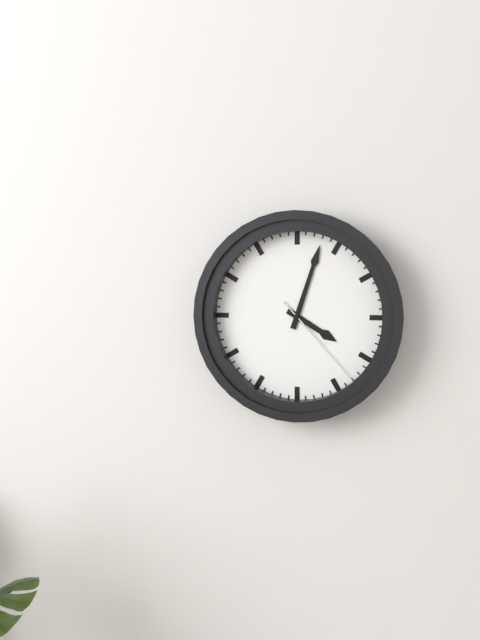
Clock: 4.03.23
